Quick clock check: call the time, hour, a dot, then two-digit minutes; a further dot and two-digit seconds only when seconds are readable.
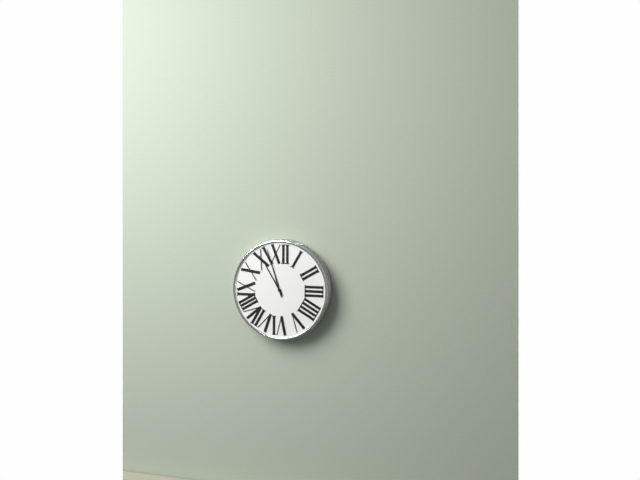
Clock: 10.57
